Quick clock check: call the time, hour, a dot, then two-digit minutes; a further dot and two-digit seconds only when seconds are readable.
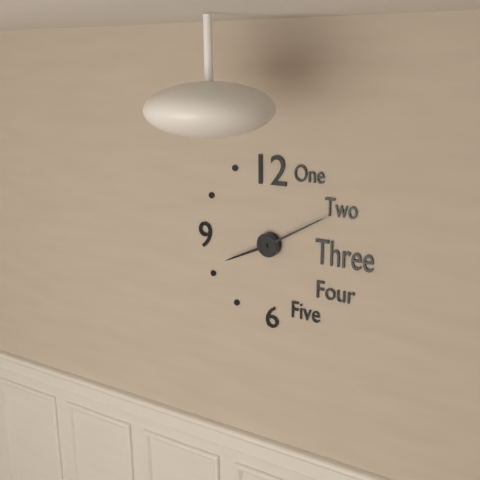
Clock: 8.10
